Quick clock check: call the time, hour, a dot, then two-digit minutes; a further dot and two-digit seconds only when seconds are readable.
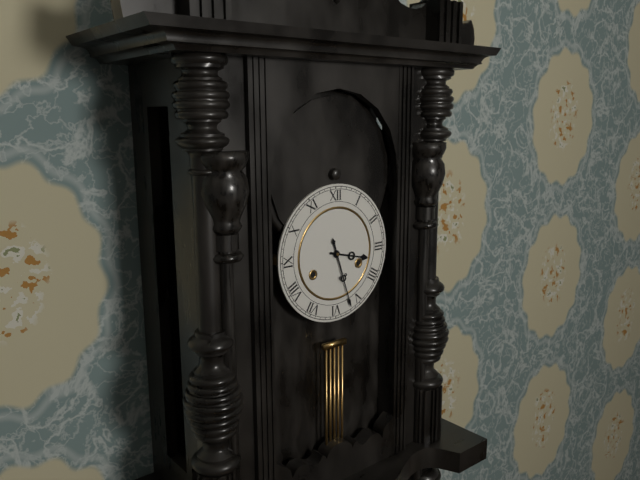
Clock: 3.27
